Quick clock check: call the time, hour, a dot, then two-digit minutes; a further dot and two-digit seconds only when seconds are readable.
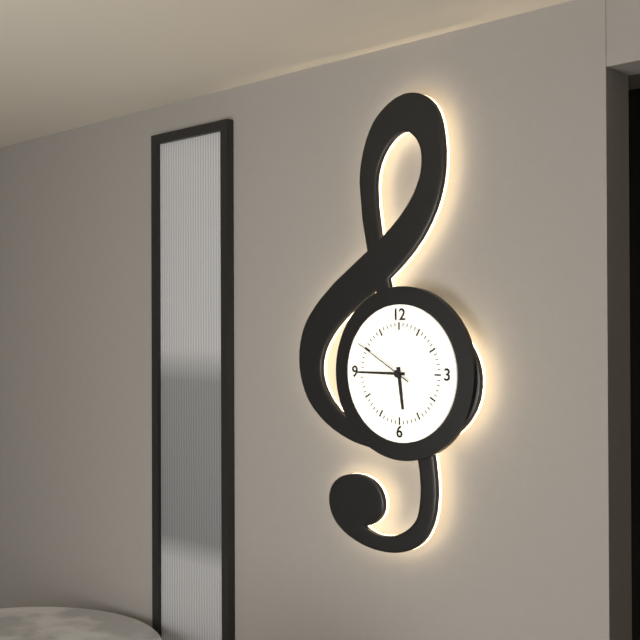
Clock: 5.45.50
